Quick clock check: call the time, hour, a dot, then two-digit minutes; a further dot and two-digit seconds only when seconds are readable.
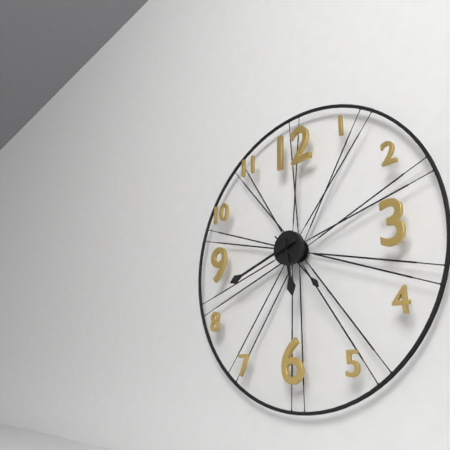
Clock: 5.42.23
